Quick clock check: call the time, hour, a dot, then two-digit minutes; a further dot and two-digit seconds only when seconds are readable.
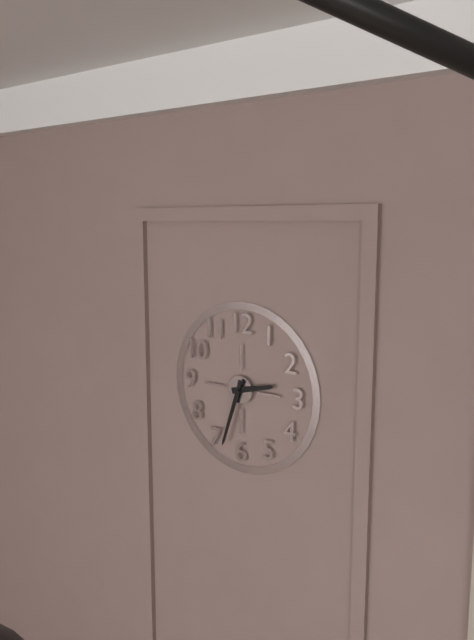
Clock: 2.33
